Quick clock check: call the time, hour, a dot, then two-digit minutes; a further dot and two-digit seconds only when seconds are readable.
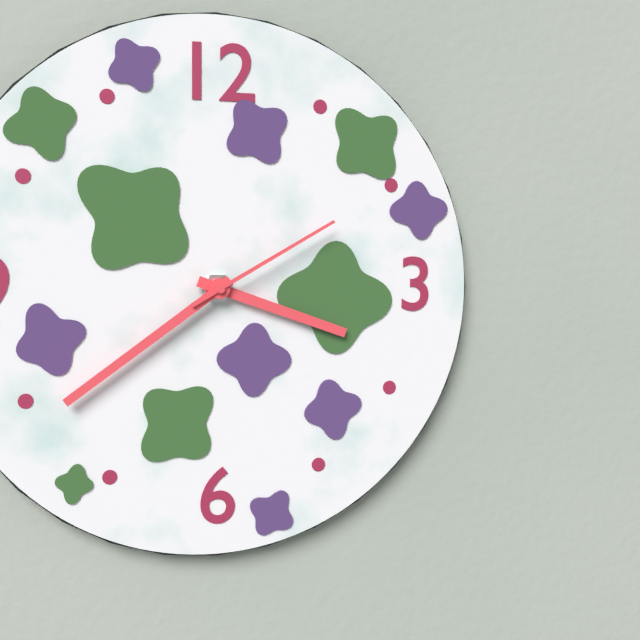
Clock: 3.39.10
